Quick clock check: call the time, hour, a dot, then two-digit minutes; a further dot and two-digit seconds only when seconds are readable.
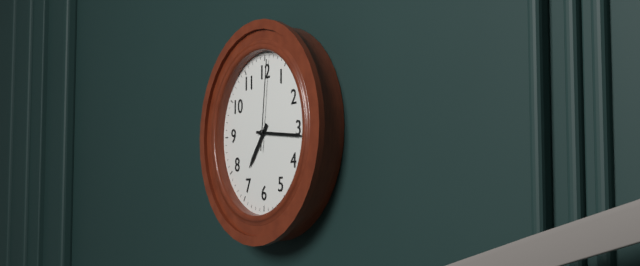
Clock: 7.16.01
